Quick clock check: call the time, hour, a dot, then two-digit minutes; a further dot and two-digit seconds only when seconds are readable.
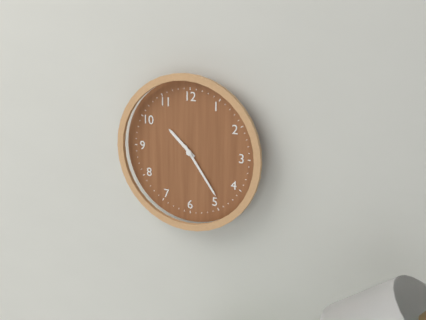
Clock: 10.24
